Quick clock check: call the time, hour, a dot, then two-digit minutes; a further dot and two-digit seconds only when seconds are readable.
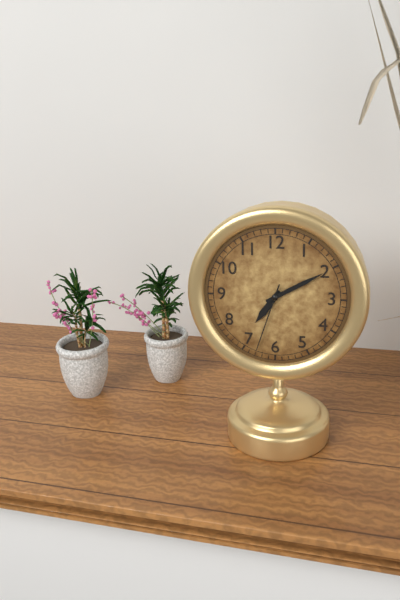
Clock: 7.10.33
